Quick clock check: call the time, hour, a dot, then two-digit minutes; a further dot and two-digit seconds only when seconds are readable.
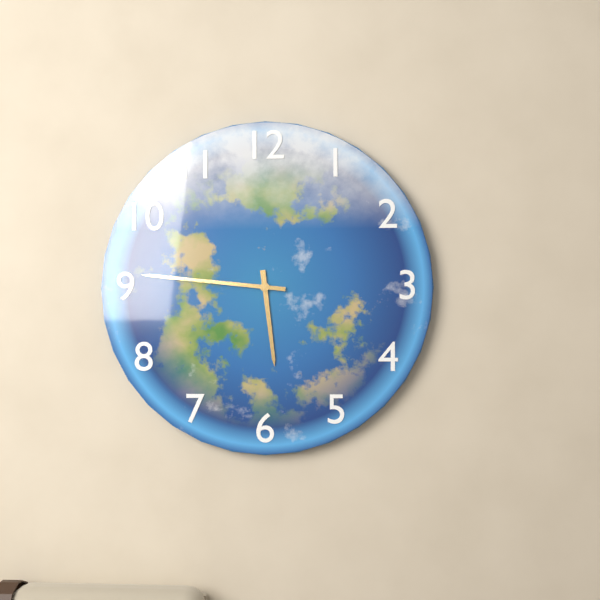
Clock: 5.46
